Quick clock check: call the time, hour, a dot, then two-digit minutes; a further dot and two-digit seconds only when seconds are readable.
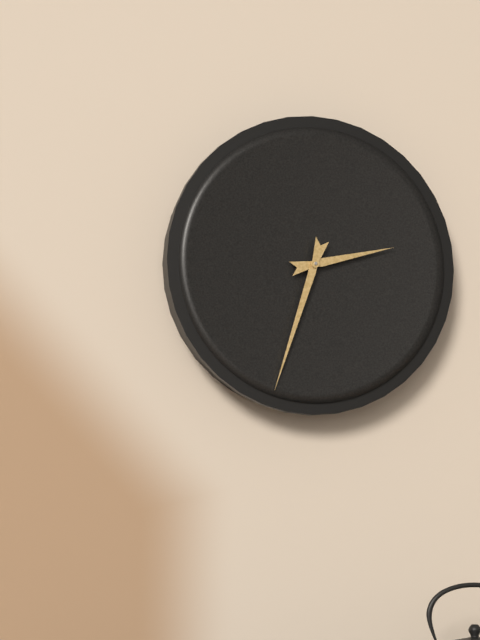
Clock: 2.33
